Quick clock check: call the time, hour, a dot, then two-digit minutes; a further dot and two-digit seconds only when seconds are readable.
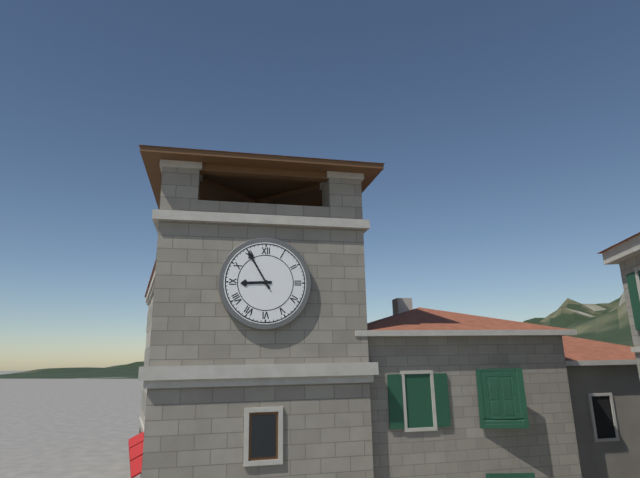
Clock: 8.55
